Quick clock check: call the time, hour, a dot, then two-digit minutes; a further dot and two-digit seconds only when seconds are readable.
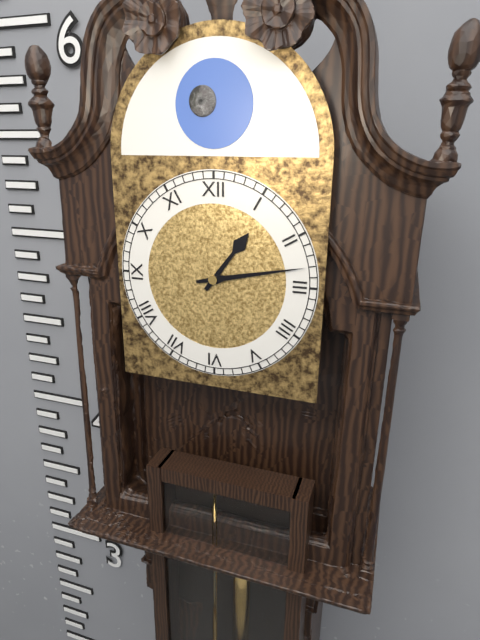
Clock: 1.13
